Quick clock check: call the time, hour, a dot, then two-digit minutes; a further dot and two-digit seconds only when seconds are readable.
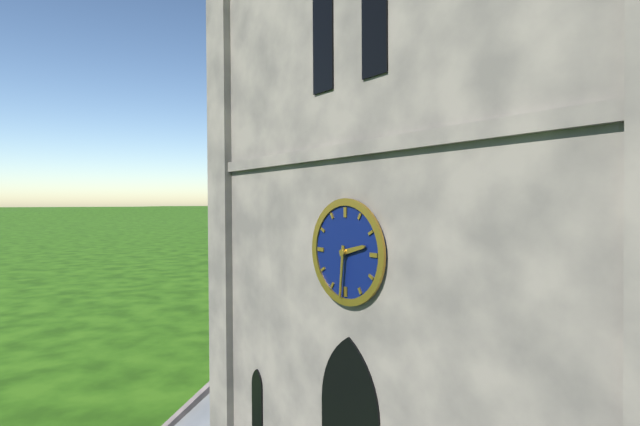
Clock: 2.31
